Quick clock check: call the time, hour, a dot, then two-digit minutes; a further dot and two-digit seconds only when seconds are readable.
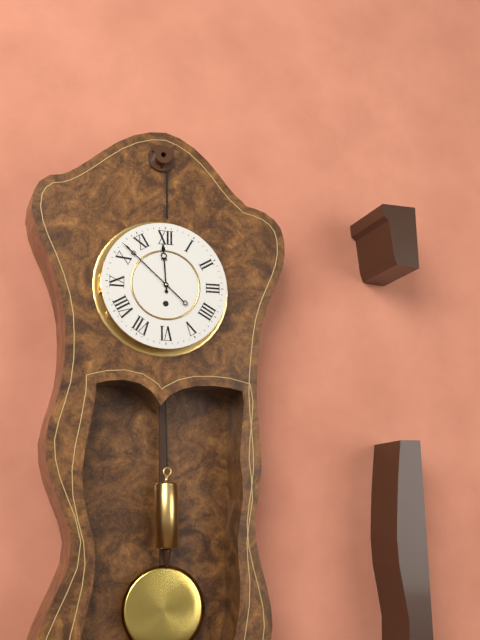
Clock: 11.52
